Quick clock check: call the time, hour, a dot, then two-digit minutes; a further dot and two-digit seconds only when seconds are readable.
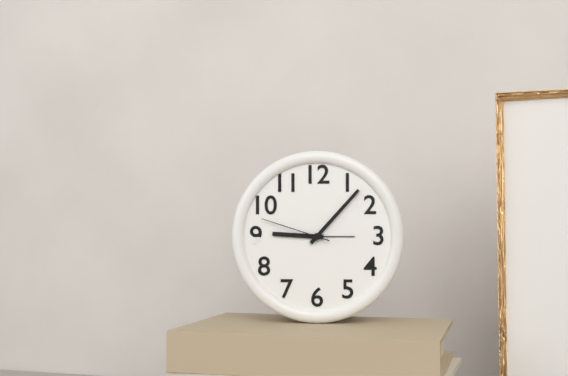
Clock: 9.07.48
